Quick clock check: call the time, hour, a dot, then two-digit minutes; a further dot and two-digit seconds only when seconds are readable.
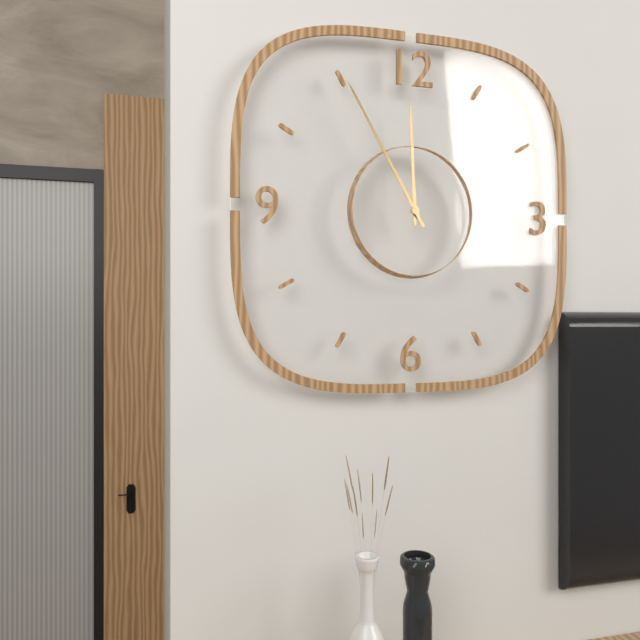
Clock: 11.55
